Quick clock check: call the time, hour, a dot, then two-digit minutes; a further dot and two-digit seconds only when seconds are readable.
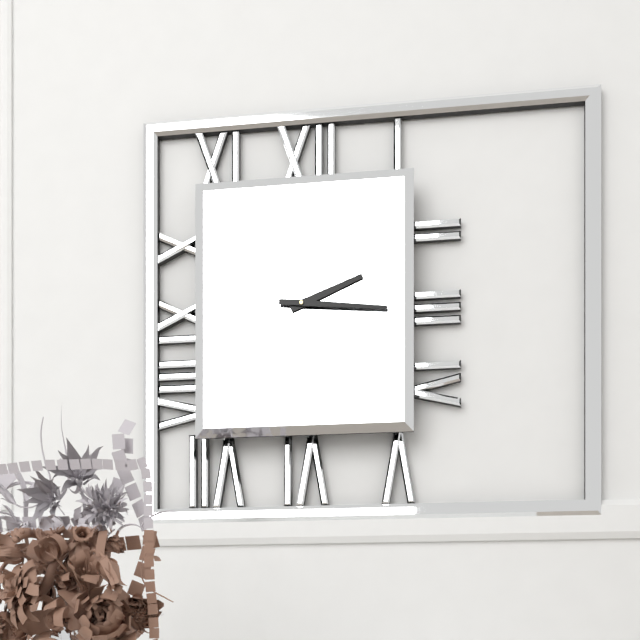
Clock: 2.16
